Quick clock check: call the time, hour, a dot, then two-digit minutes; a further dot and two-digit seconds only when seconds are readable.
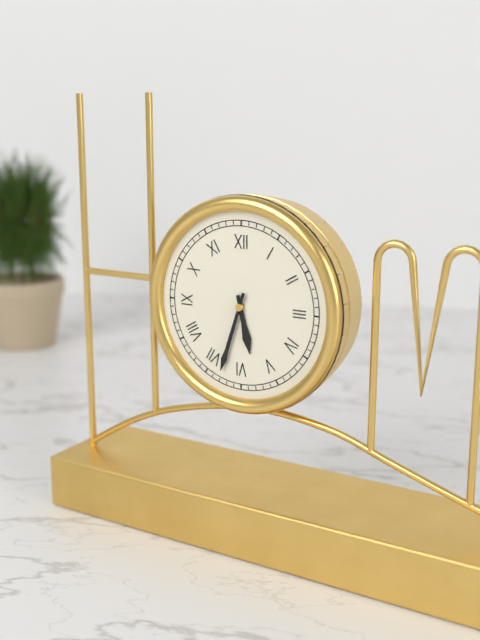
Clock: 5.33
